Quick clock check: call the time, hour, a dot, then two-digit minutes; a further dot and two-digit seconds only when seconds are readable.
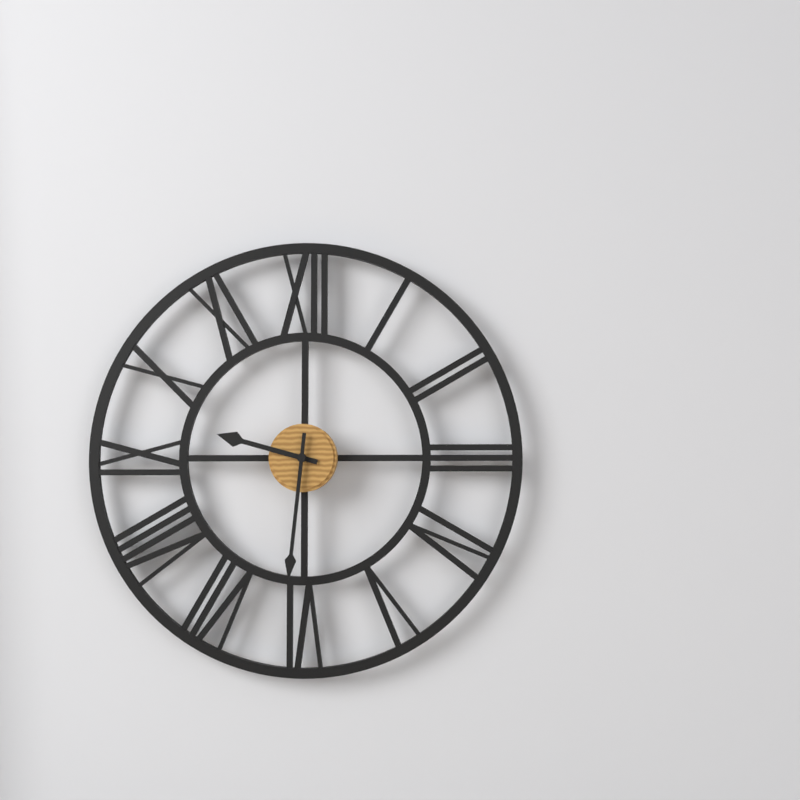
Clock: 9.31
